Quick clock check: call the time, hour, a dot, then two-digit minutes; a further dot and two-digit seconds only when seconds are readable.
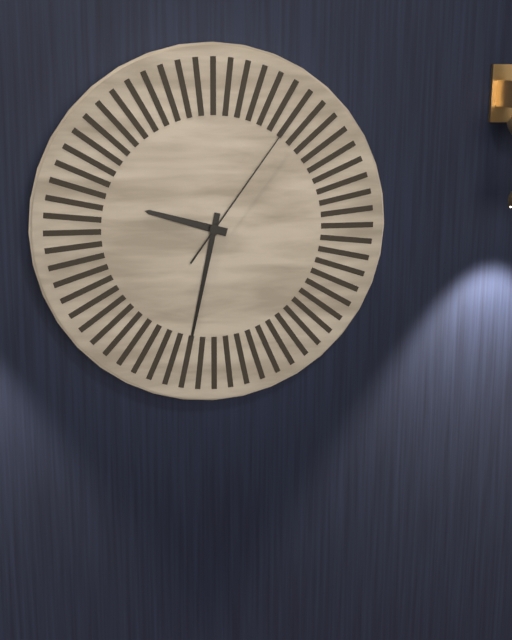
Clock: 9.32.06
